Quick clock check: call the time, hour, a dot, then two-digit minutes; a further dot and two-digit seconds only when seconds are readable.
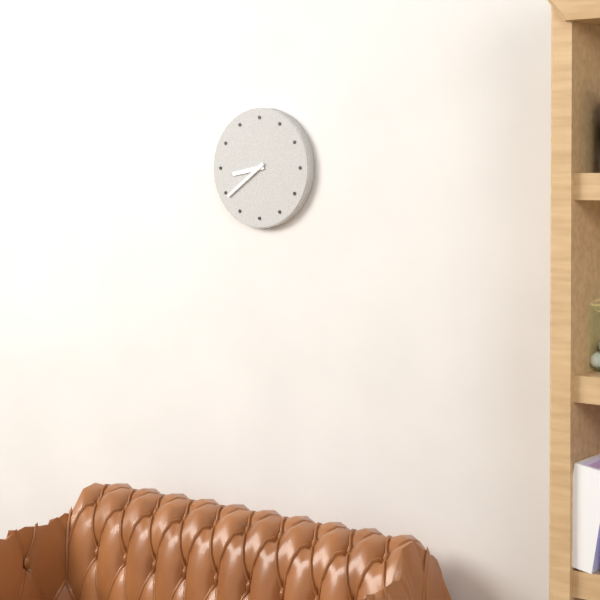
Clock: 8.39
